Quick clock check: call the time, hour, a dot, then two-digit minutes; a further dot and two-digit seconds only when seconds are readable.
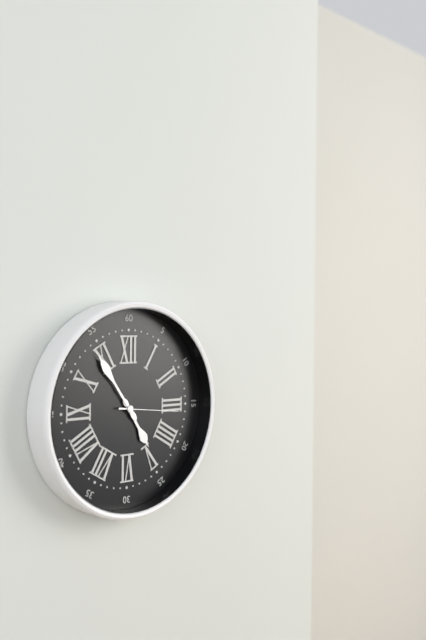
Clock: 4.54.16
